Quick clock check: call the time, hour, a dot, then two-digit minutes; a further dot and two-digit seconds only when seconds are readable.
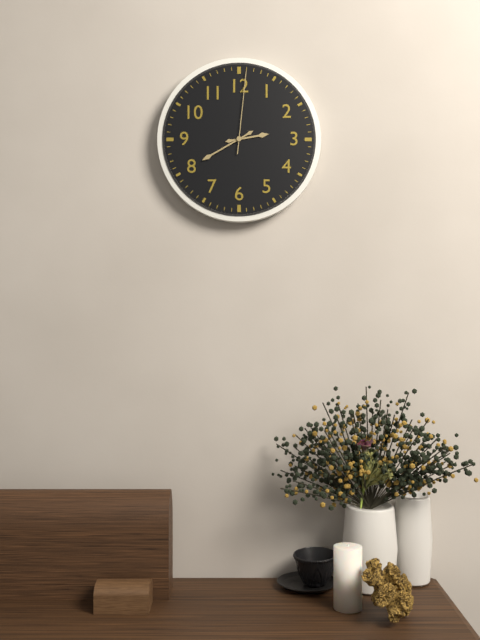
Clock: 2.40.01
